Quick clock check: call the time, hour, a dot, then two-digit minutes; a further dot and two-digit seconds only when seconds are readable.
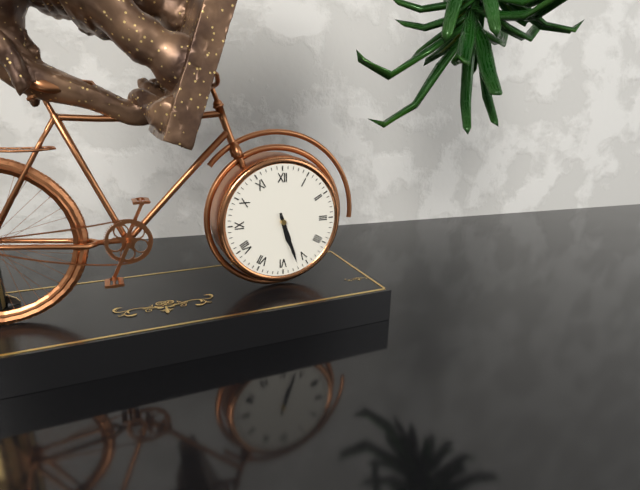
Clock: 5.27
